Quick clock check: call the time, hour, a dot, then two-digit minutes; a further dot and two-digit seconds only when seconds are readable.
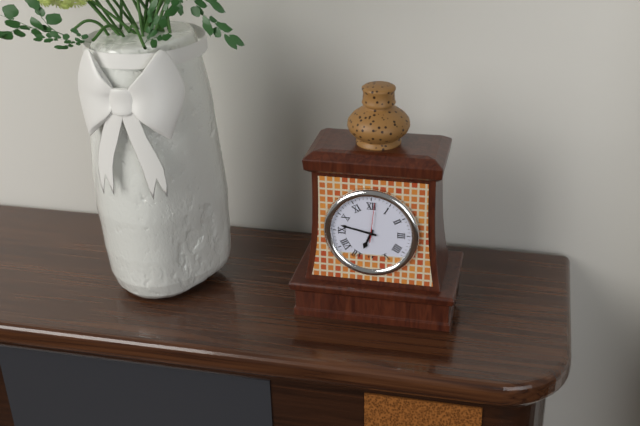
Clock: 6.47
